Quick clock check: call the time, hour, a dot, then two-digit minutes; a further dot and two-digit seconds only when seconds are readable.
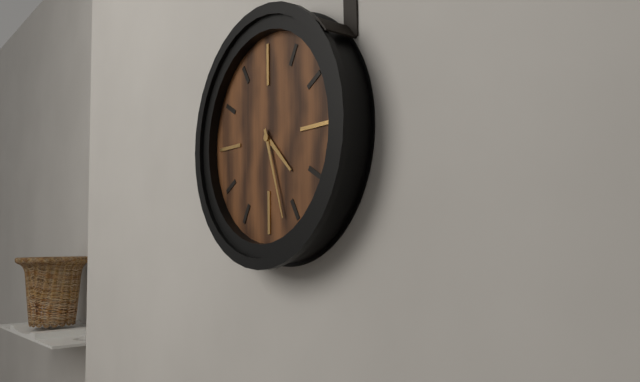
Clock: 4.27
